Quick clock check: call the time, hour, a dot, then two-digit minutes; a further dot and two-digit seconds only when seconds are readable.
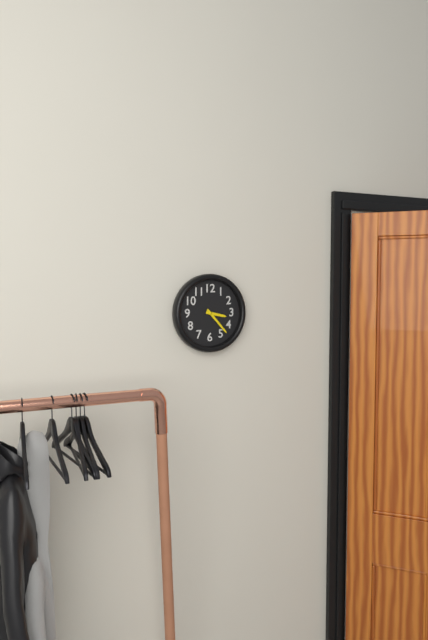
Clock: 3.23
